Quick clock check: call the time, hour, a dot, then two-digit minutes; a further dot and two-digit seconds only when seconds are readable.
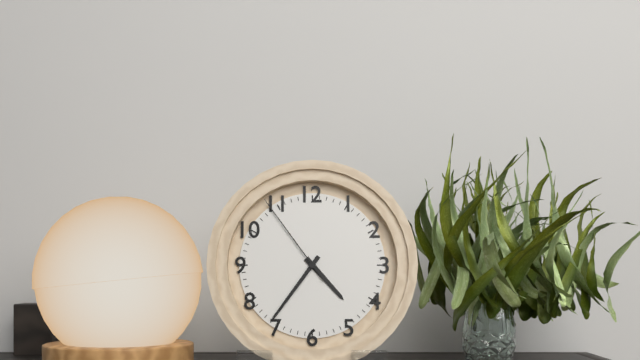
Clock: 4.36.54
